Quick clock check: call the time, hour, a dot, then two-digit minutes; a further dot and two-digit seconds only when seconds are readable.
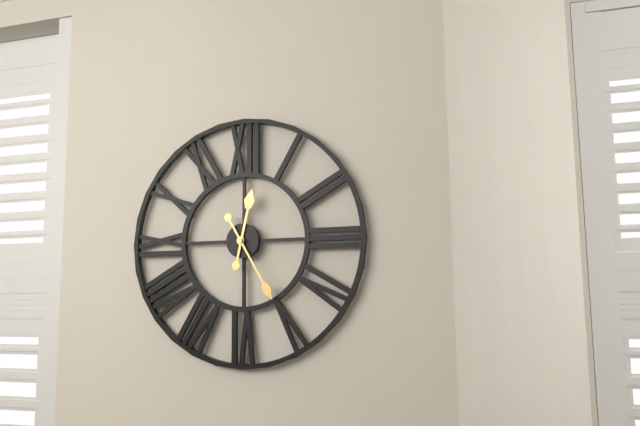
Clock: 12.25
